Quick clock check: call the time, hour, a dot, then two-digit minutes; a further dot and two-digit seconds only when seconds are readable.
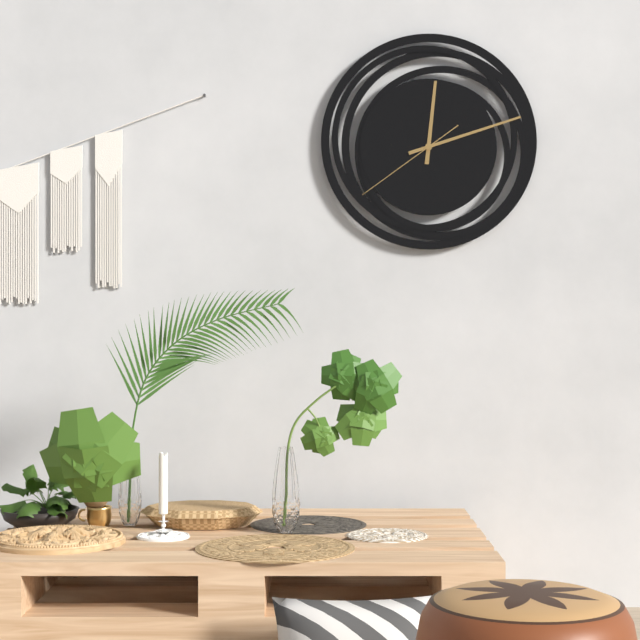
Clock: 12.12.39
